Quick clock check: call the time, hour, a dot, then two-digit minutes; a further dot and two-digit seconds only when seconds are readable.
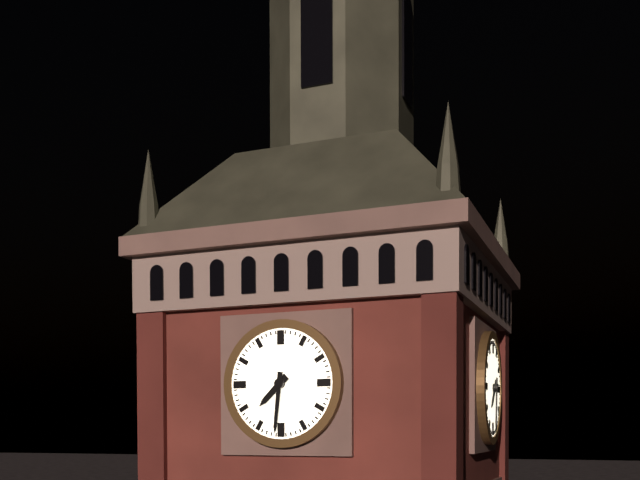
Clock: 7.31
